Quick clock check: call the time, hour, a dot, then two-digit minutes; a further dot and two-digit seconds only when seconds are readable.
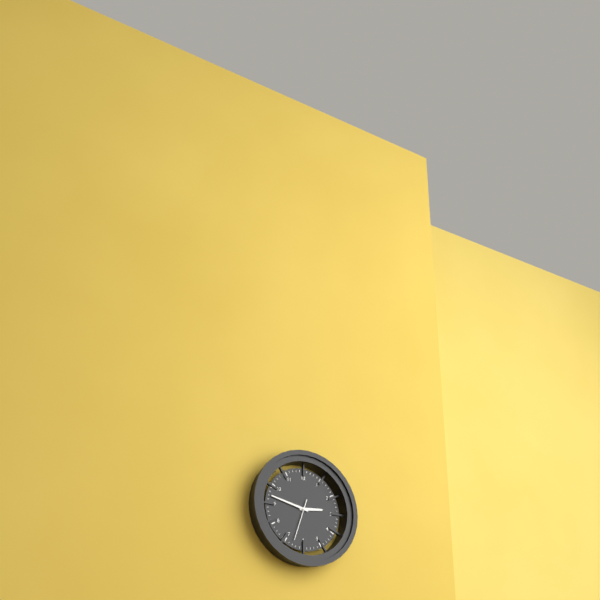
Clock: 2.47
